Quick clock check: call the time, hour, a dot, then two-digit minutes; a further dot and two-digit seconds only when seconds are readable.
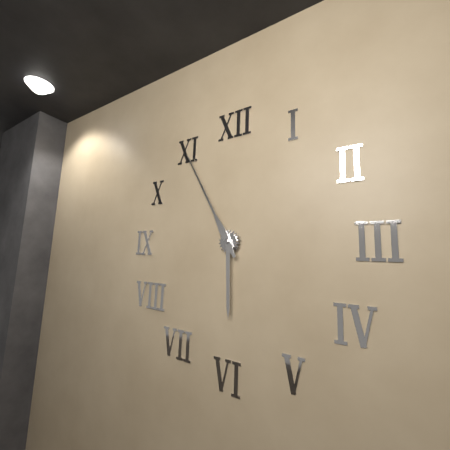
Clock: 5.55
